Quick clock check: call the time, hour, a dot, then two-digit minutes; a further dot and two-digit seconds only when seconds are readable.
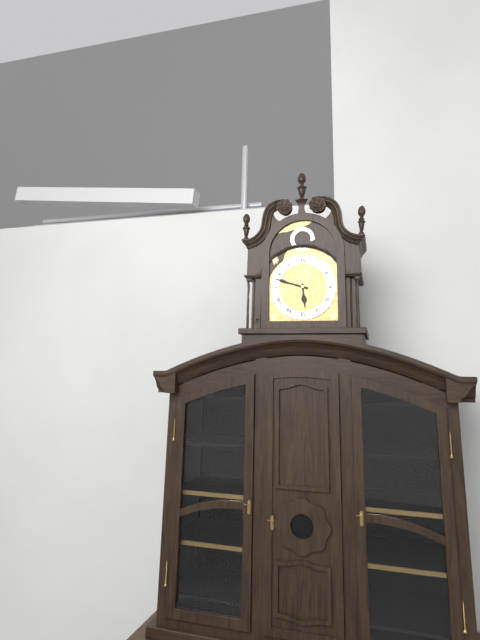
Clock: 5.48
